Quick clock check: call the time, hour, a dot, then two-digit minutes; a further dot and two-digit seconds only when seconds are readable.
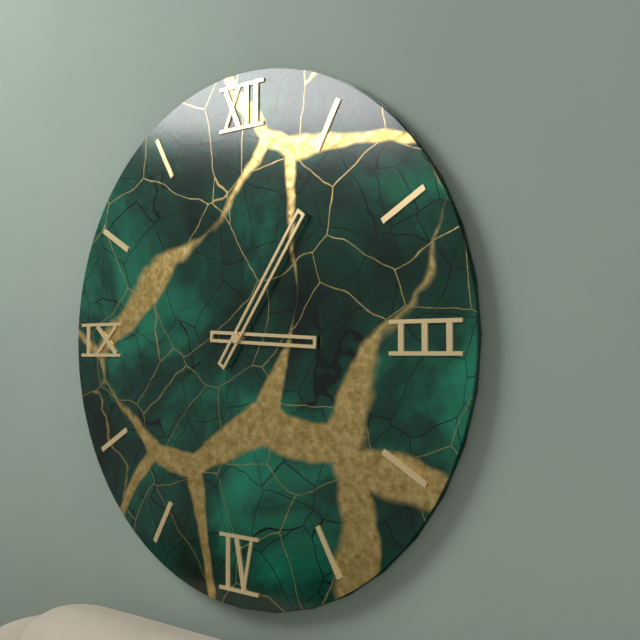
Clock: 3.06
